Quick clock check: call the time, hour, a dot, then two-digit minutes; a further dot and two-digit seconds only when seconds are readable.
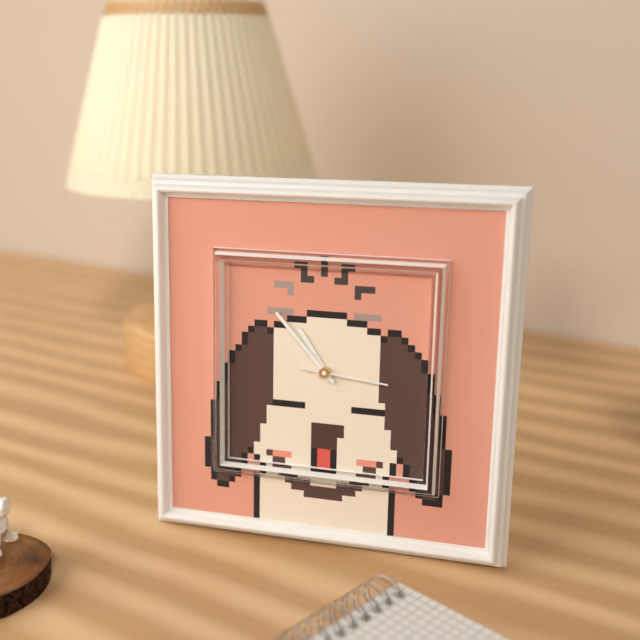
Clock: 10.53.16
